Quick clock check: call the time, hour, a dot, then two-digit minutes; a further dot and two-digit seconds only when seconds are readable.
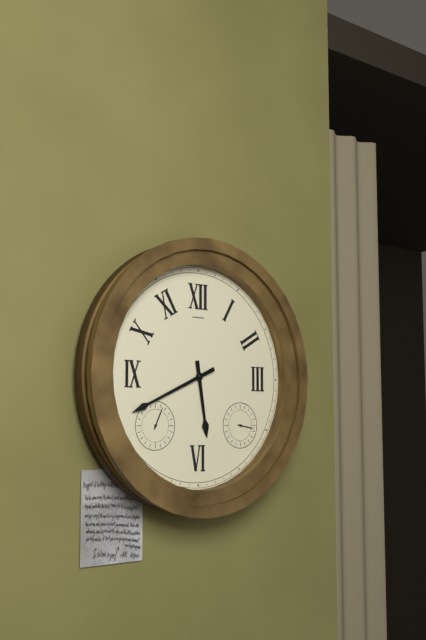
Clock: 5.41
